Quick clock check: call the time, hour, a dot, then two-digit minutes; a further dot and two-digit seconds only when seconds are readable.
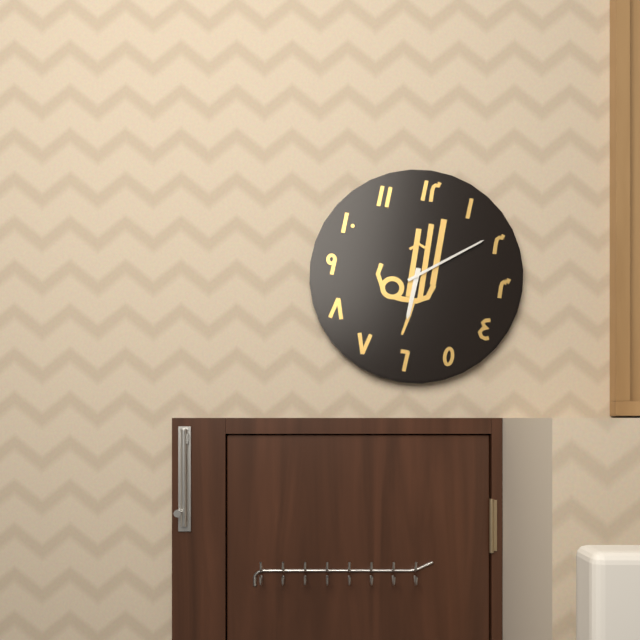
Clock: 6.09
